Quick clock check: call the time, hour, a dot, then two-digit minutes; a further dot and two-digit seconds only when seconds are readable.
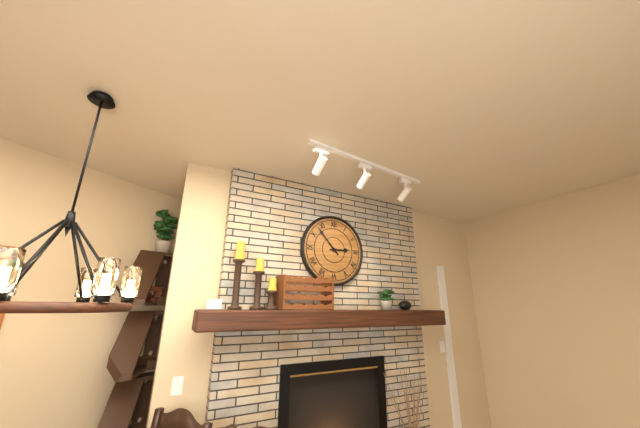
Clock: 2.53
